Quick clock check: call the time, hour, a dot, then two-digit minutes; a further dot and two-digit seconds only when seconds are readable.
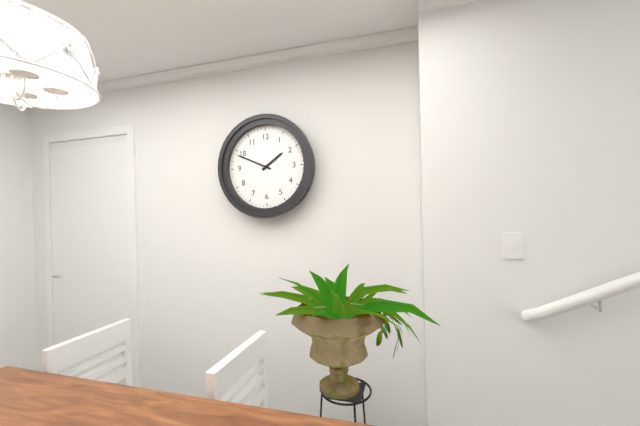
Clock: 1.49
